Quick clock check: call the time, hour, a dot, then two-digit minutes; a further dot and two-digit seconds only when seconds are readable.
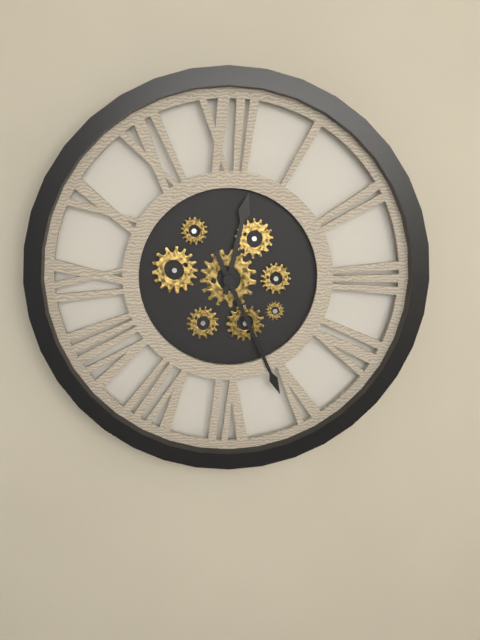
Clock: 12.26
